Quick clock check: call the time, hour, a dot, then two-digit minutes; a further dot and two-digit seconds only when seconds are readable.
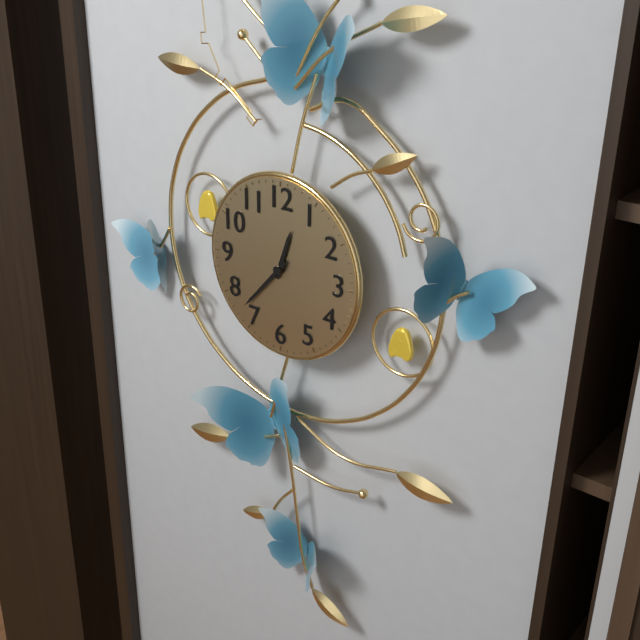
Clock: 12.37
